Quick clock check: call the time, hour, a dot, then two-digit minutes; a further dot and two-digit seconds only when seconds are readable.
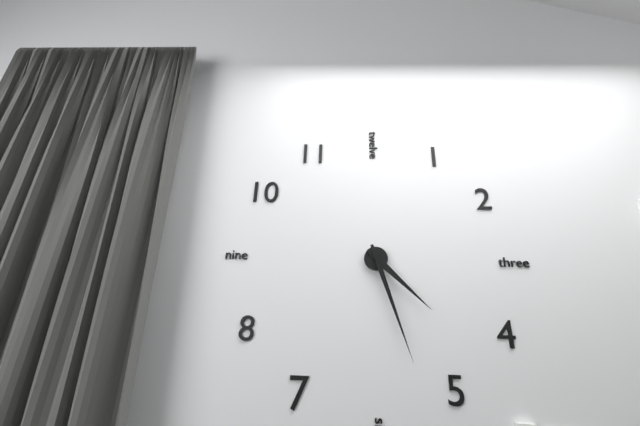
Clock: 4.27
